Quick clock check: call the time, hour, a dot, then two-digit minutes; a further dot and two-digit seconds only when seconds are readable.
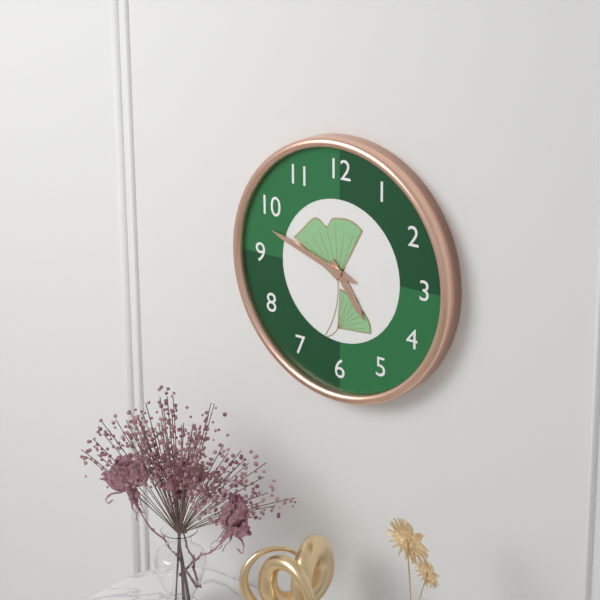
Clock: 4.48
